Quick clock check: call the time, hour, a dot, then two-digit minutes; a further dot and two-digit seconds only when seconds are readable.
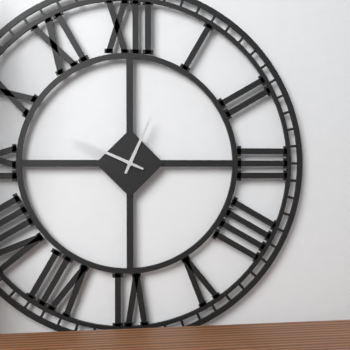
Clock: 12.49
